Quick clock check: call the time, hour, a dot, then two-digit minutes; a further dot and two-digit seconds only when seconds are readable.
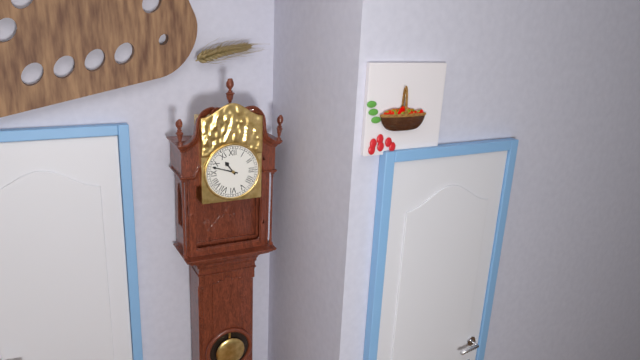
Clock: 10.48
